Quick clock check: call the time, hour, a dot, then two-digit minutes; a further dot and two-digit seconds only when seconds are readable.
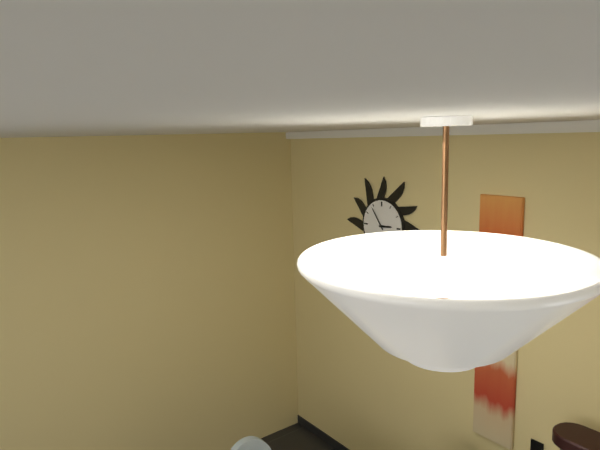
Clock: 2.54
